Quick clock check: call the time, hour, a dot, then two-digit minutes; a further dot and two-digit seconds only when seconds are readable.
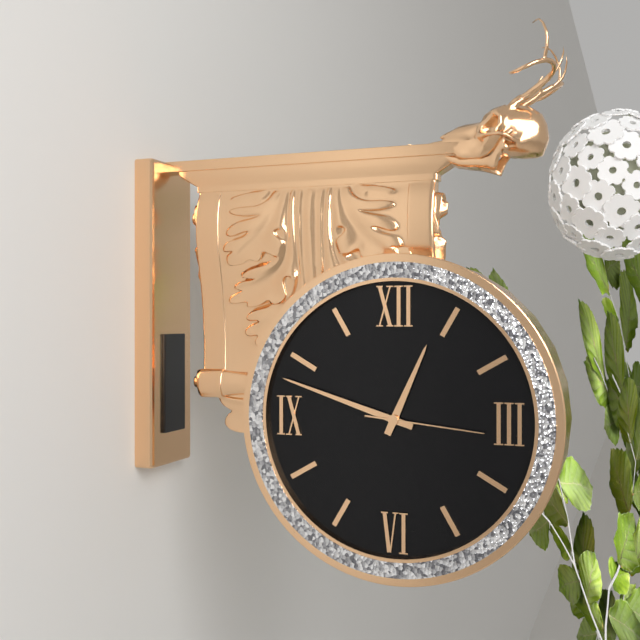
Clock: 12.48.16
